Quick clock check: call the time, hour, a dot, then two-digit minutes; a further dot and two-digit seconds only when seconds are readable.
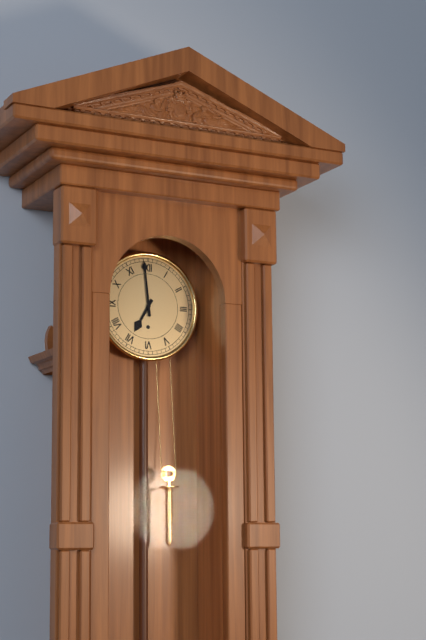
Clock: 6.59
